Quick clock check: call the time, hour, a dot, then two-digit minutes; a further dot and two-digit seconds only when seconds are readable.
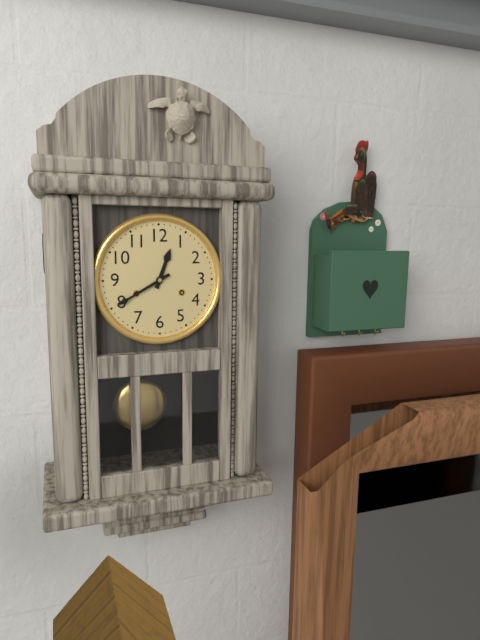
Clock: 12.40
